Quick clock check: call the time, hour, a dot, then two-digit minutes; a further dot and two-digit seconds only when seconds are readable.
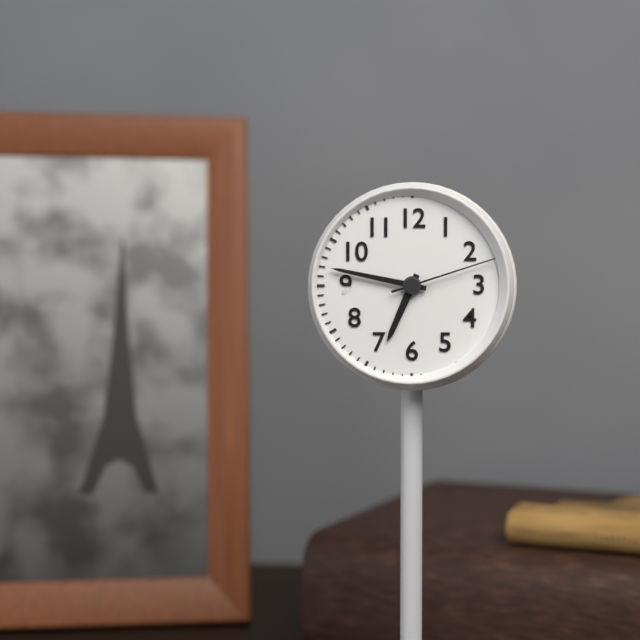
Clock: 6.47.12
